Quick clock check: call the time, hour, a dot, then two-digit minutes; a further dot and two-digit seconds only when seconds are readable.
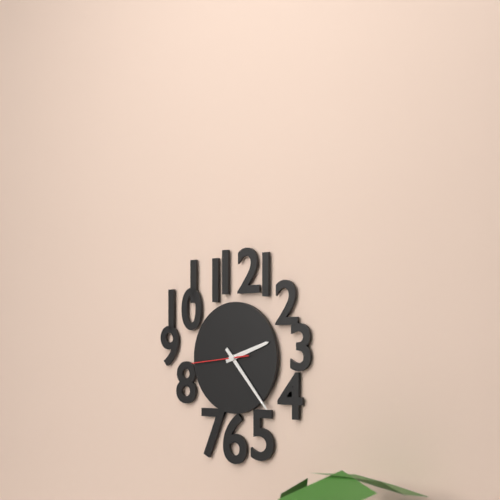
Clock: 2.23.44
